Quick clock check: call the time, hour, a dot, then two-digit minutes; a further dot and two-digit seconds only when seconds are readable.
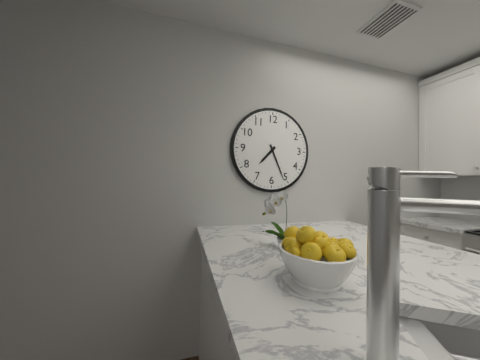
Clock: 7.26
